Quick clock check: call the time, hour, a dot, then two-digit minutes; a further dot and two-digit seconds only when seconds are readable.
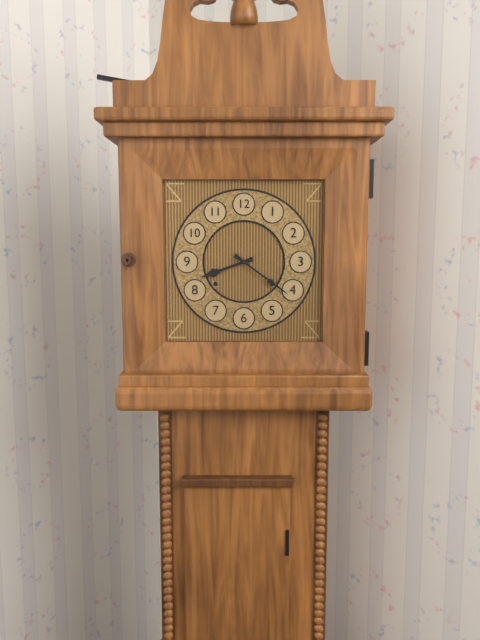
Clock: 8.21
